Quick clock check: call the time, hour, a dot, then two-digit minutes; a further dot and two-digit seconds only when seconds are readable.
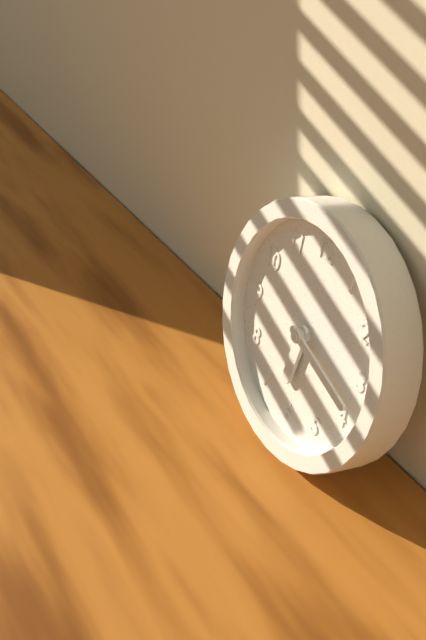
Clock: 6.18
